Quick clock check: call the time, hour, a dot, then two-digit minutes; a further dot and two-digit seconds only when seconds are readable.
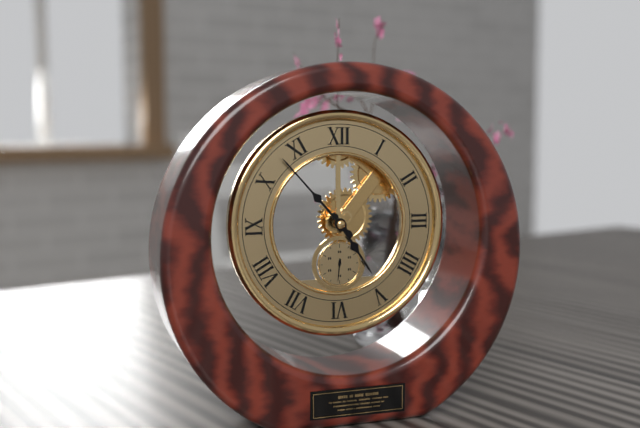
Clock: 4.53
